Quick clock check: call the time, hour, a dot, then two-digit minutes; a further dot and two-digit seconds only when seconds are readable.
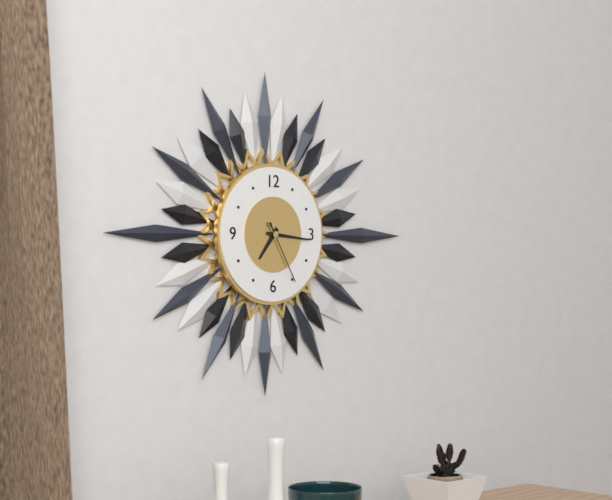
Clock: 7.16.25
